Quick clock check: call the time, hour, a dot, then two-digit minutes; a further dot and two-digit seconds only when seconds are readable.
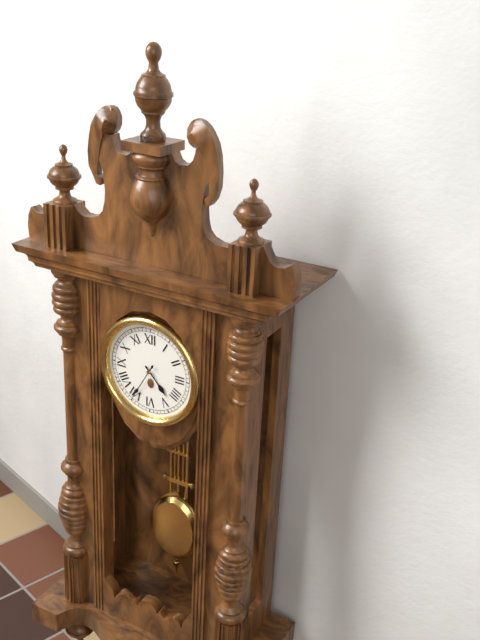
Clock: 4.35
